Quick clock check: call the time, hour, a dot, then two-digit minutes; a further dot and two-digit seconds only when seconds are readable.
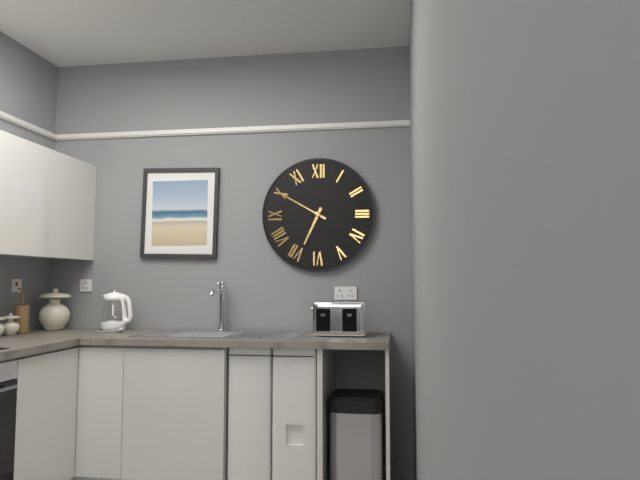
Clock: 6.50
